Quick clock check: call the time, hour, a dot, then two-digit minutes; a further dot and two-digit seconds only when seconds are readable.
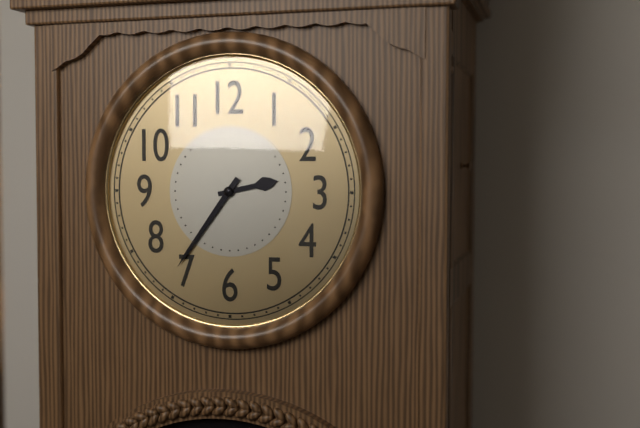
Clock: 2.36
